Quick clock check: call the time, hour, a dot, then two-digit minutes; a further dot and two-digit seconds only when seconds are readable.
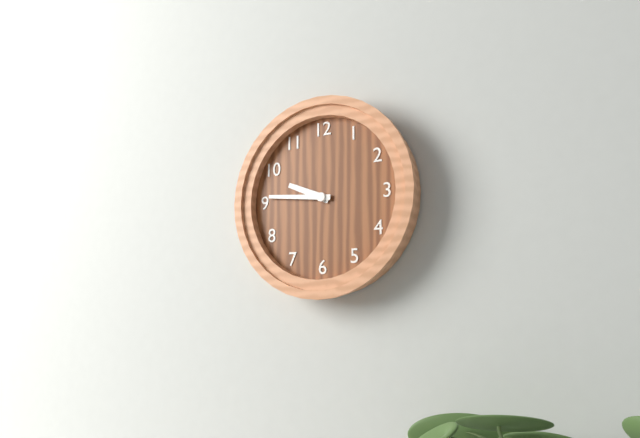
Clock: 9.46
